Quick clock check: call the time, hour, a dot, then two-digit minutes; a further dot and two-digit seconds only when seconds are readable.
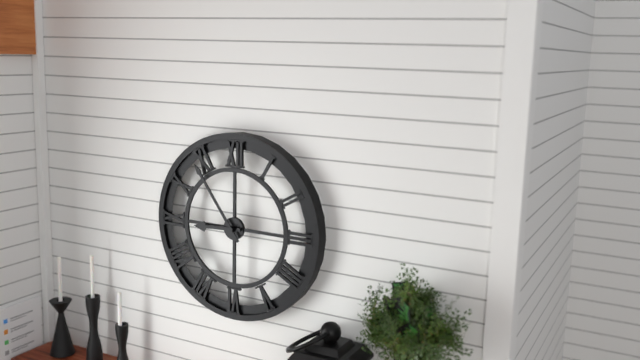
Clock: 8.54
